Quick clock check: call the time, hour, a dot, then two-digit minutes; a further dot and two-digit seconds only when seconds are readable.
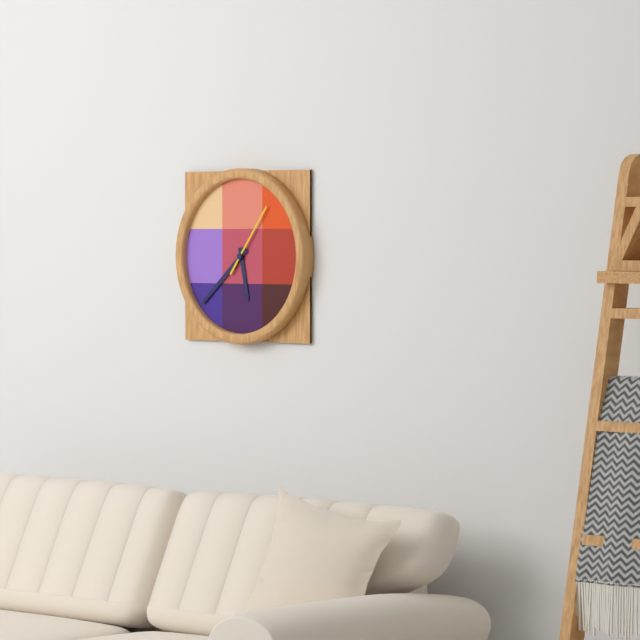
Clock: 5.38.06
